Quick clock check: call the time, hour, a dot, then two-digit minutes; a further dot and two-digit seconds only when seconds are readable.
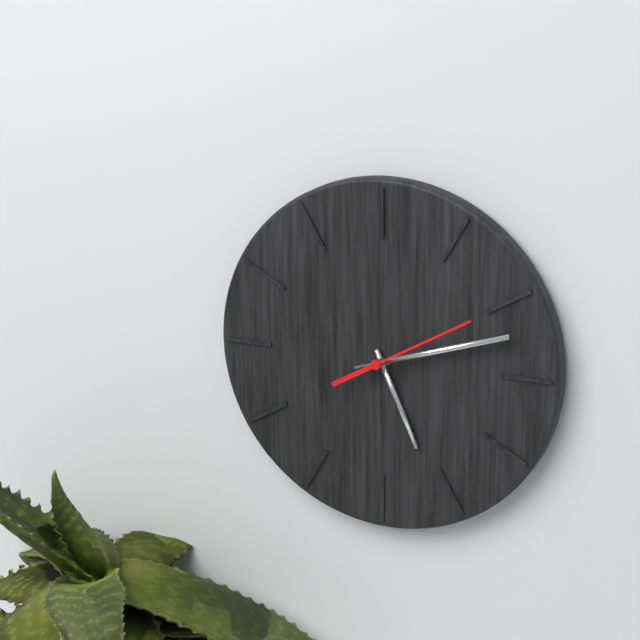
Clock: 5.12.10
